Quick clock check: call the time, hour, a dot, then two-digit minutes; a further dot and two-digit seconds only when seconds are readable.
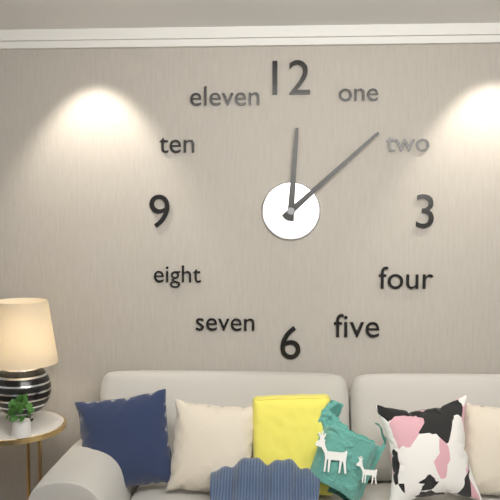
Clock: 12.08
